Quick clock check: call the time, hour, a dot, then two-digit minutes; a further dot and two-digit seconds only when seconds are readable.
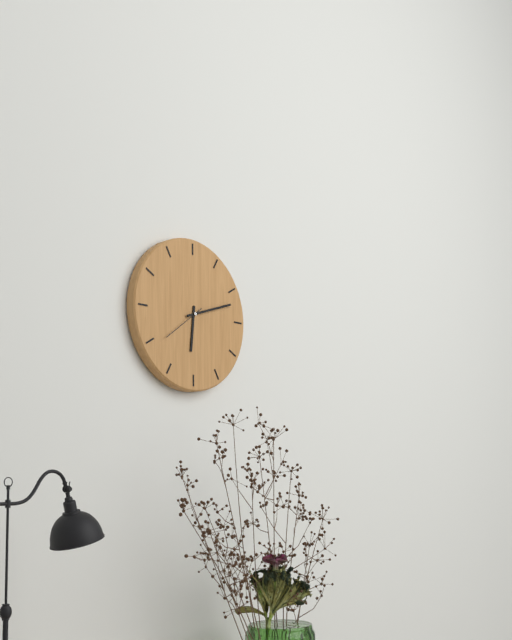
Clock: 6.12
